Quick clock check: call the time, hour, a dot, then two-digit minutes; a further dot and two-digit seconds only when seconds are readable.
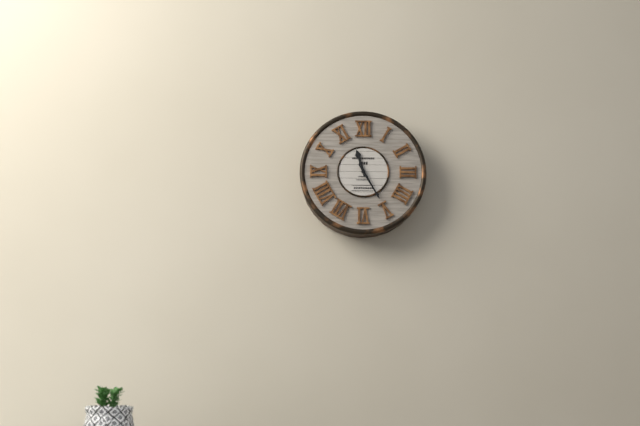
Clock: 11.25
